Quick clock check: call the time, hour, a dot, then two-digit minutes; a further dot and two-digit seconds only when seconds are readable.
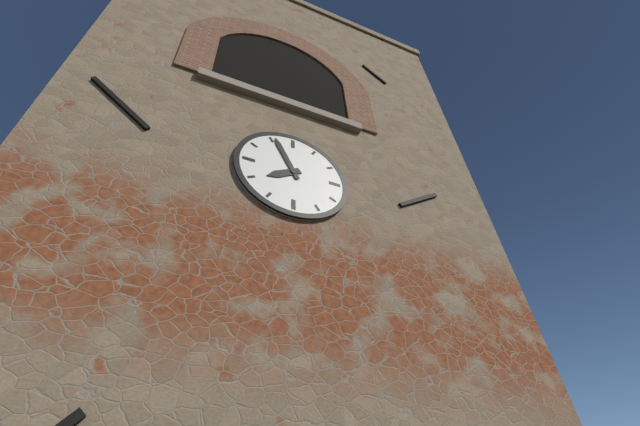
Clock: 7.56
